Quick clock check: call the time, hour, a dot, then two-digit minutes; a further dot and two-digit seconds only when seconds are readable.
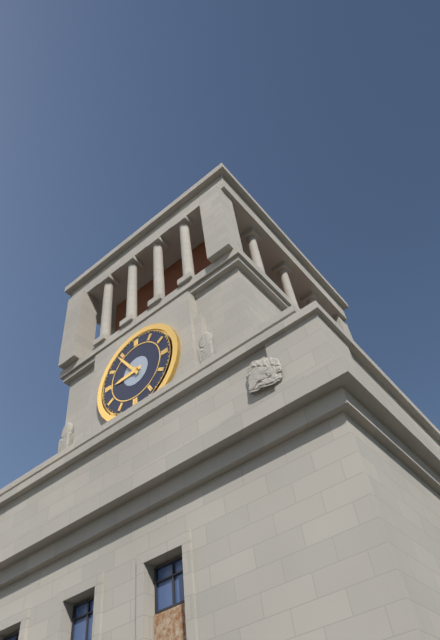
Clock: 8.54
